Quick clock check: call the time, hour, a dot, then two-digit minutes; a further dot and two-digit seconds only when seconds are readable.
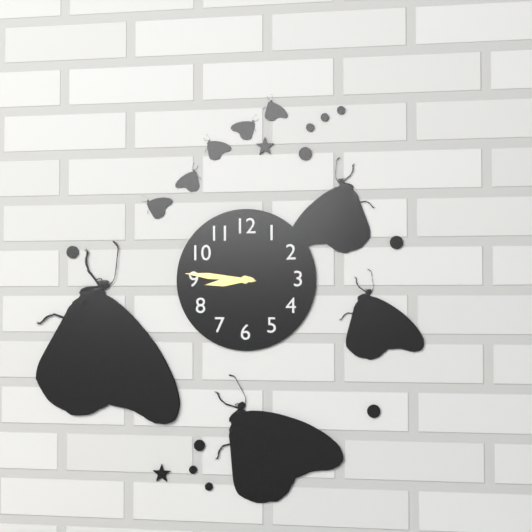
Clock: 8.46
